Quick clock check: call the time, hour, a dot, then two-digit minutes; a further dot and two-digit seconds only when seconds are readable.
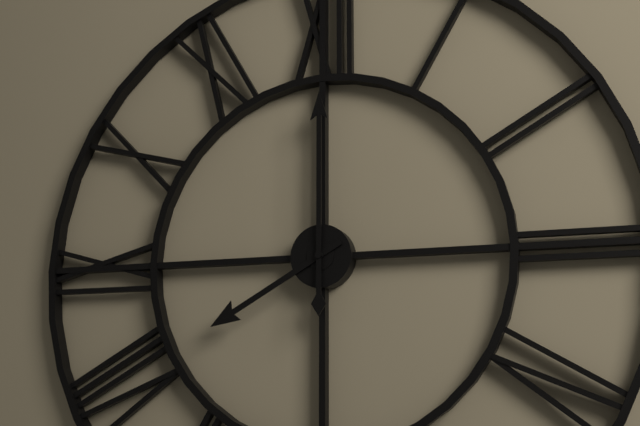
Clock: 8.00
